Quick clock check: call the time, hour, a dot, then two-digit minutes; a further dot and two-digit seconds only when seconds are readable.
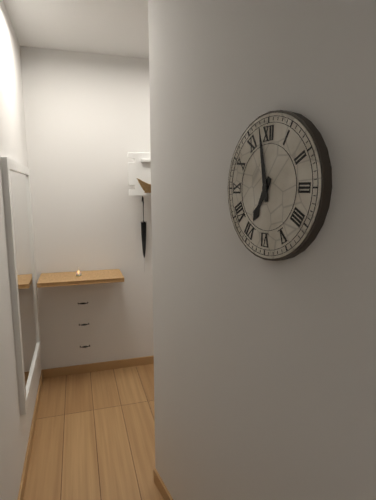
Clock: 6.58
